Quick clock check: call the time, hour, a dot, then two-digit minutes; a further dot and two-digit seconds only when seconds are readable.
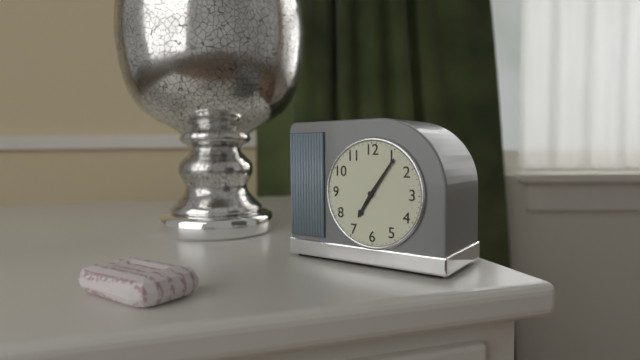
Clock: 7.06
